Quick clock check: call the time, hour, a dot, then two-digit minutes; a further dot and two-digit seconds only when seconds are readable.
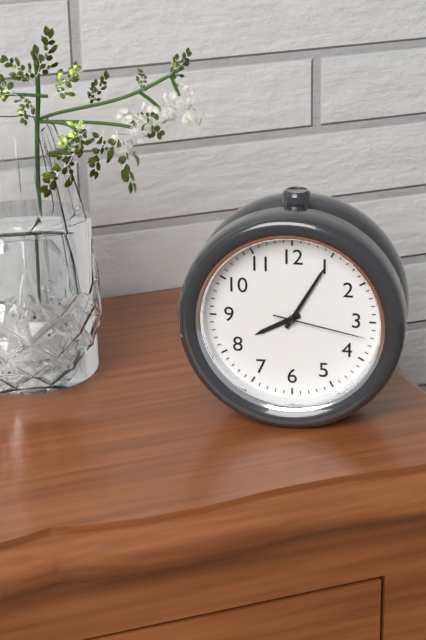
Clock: 8.05.17
